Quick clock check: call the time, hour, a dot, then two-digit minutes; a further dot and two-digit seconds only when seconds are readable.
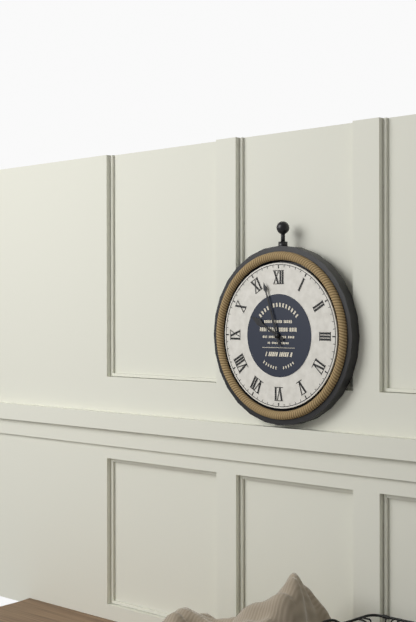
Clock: 9.57
